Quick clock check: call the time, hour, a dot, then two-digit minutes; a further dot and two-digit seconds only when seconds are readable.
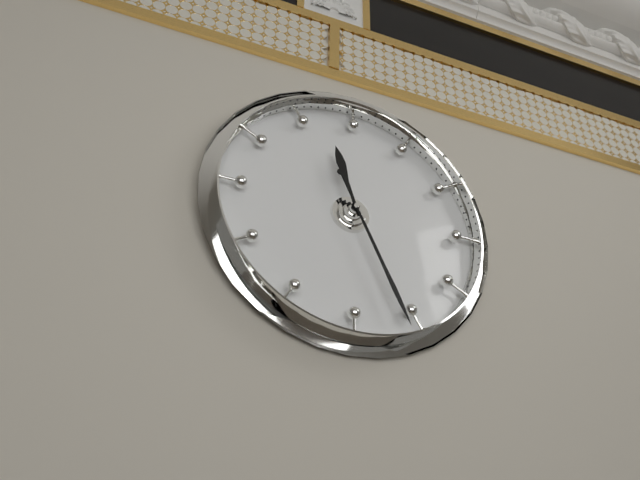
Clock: 11.26
